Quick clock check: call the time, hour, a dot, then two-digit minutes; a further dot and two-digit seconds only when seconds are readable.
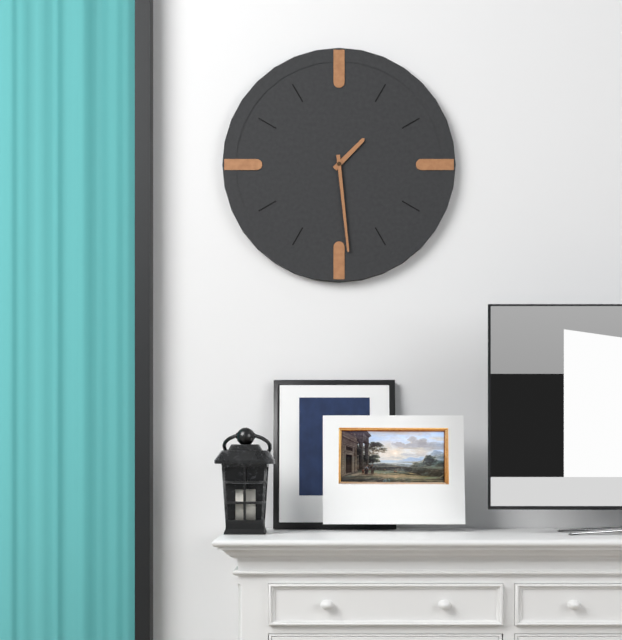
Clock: 1.29
